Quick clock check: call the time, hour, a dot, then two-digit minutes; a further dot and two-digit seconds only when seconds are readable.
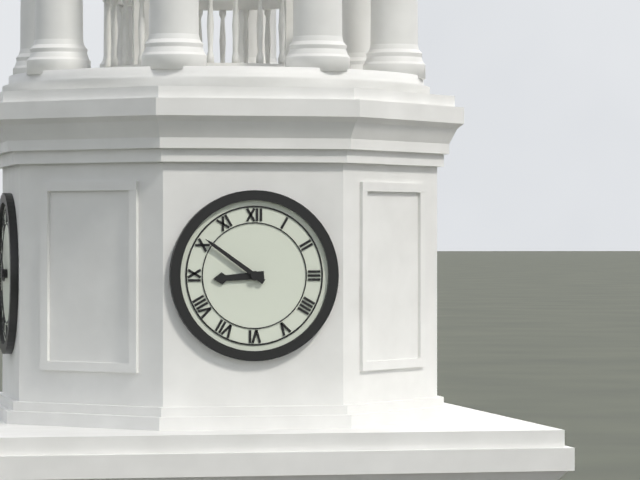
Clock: 8.51
